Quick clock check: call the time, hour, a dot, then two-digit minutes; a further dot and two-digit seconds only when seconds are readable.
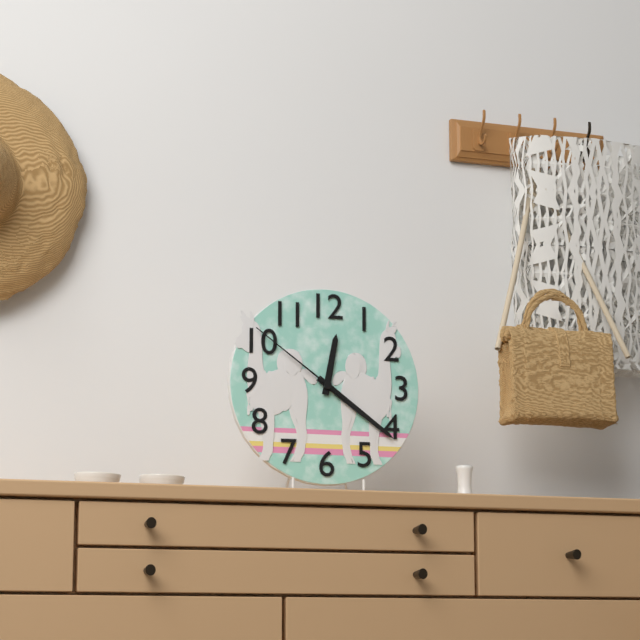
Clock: 12.21.51
